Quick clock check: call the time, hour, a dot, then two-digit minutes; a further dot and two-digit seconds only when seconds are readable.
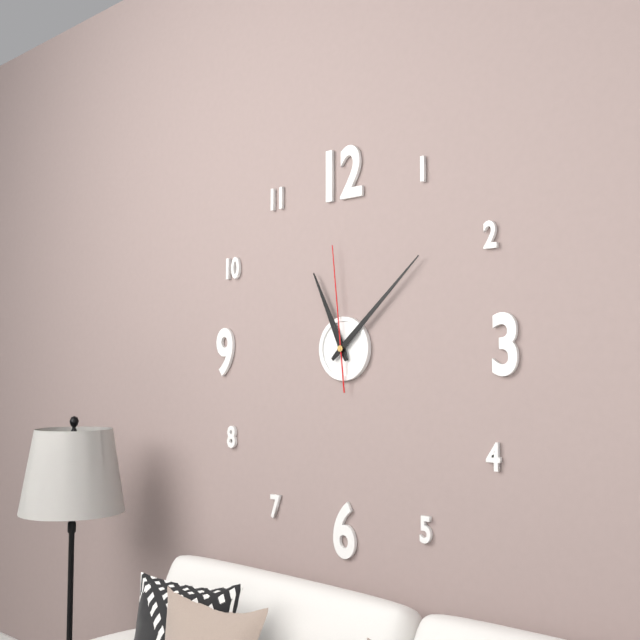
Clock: 11.08.59
